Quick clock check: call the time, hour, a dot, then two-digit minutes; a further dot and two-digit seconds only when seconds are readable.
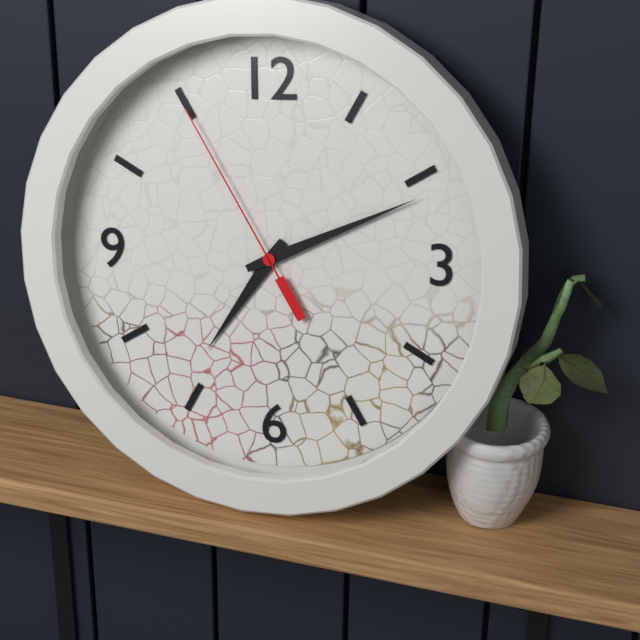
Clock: 7.11.55
